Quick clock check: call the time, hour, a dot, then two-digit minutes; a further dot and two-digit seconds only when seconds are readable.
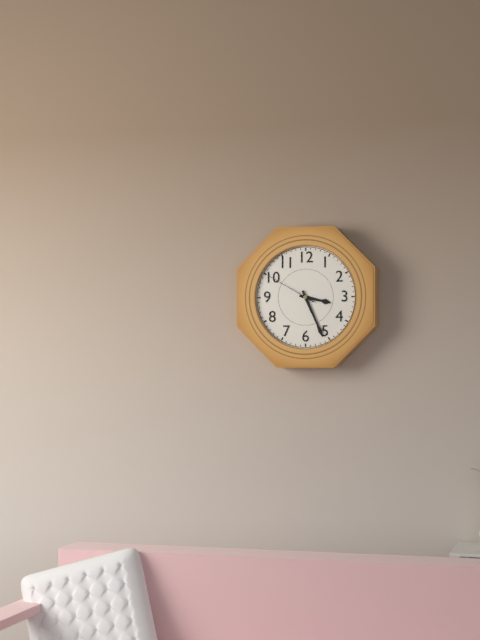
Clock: 3.26.50
